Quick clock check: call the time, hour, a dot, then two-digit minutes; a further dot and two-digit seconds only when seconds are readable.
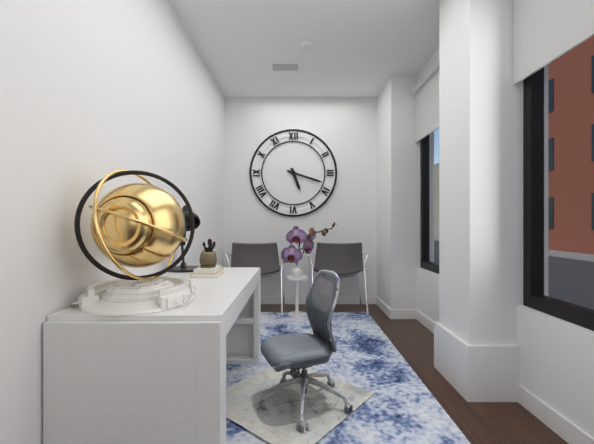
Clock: 5.18
